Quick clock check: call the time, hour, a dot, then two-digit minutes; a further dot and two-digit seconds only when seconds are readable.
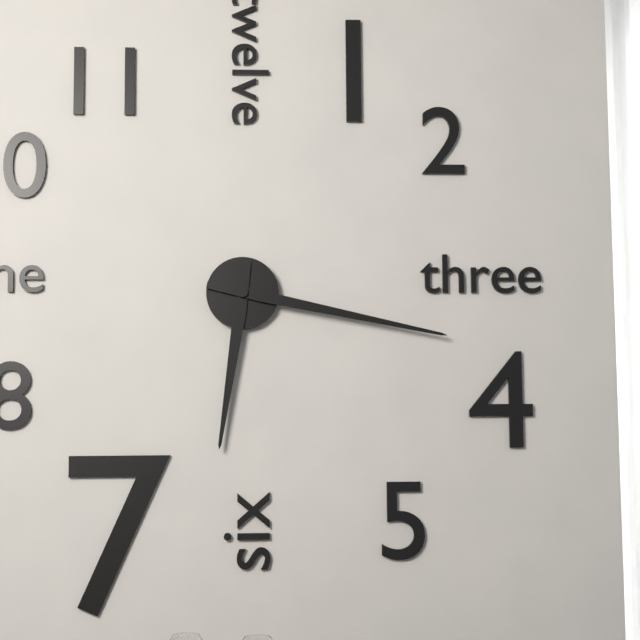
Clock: 6.17
